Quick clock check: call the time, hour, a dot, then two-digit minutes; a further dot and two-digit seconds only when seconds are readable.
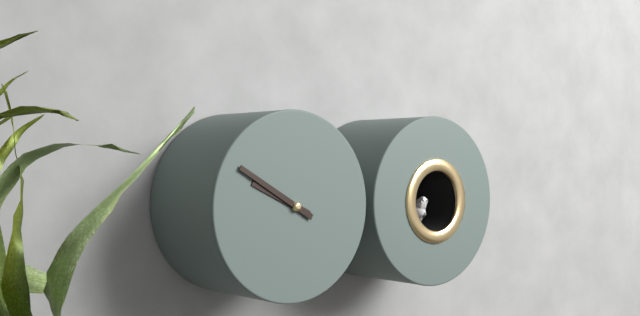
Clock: 9.50
